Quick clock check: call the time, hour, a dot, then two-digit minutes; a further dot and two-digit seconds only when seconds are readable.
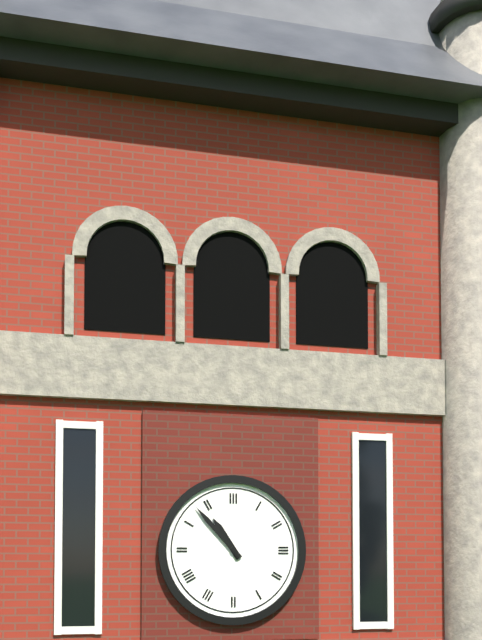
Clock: 10.53
